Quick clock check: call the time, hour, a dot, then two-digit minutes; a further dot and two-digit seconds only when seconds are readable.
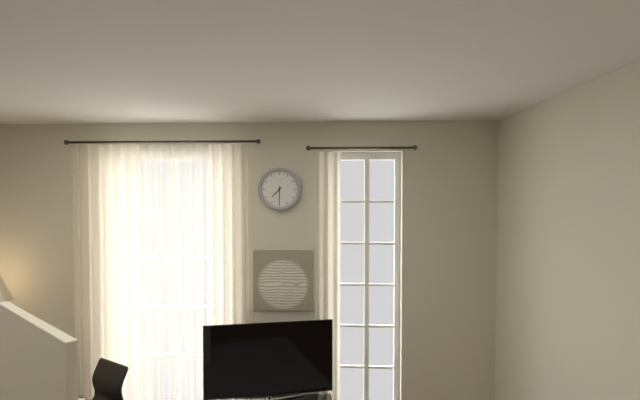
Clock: 7.30
